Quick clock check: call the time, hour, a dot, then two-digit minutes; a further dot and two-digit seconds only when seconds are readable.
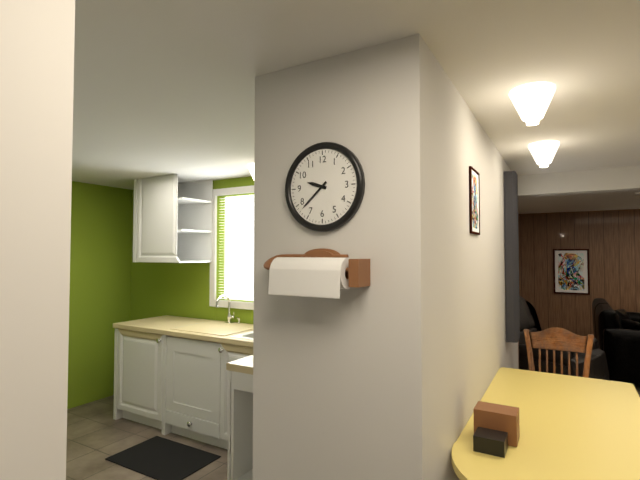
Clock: 9.38
